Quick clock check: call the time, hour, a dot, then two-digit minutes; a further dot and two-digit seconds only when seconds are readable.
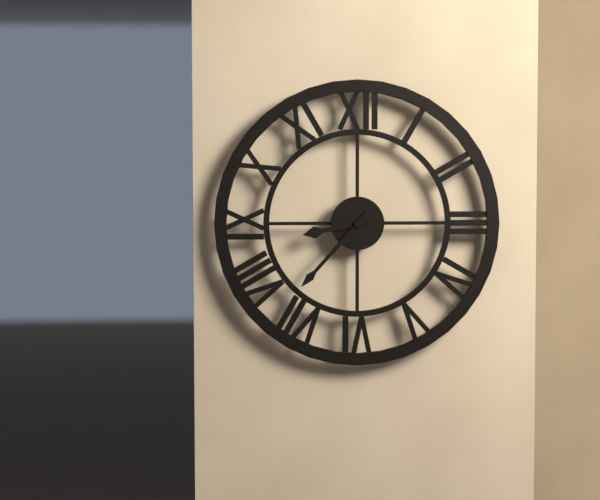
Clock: 8.37
